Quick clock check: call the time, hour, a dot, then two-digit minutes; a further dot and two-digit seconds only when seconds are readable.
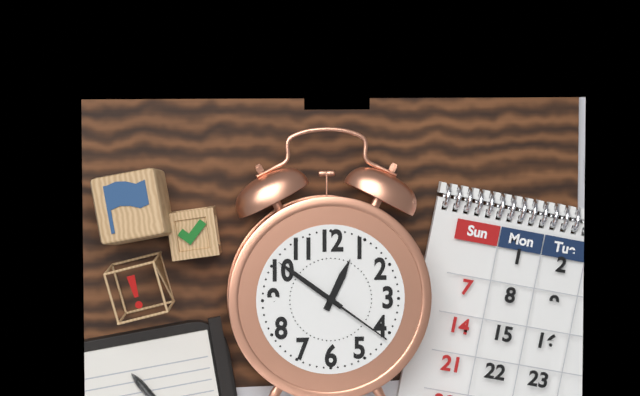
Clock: 12.51.21
